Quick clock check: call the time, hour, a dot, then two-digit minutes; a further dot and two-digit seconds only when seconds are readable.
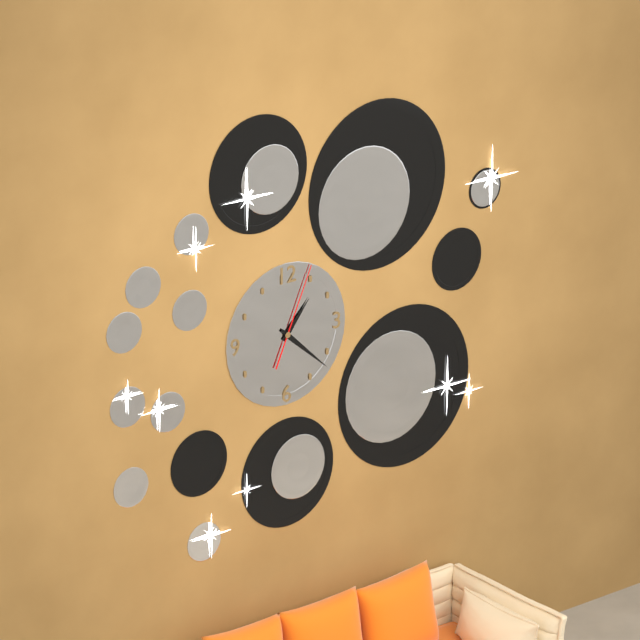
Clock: 1.22.04
